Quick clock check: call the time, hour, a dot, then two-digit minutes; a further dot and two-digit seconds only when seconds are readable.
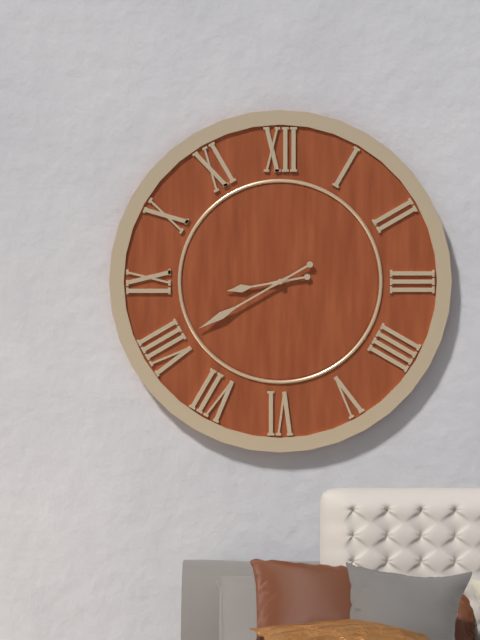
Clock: 8.40
